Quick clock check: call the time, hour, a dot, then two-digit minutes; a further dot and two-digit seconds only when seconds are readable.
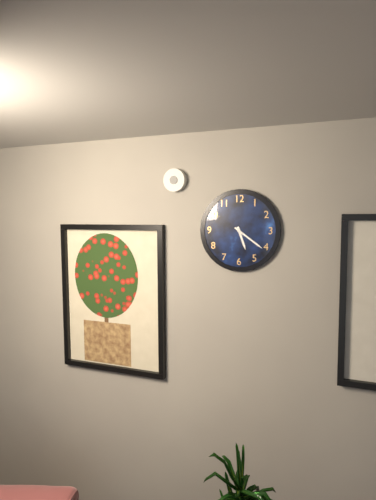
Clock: 5.21
